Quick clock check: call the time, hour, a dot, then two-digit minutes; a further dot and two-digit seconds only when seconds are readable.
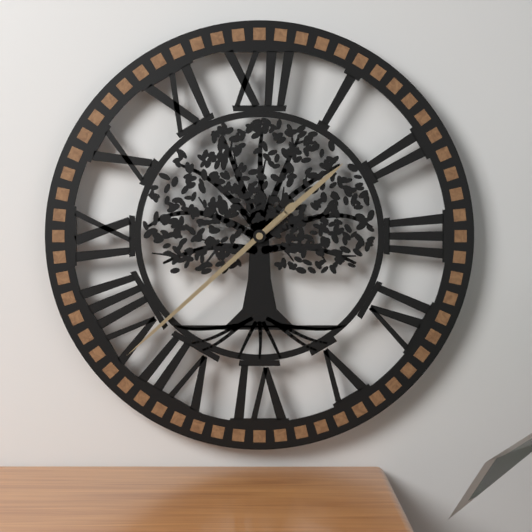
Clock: 1.38
